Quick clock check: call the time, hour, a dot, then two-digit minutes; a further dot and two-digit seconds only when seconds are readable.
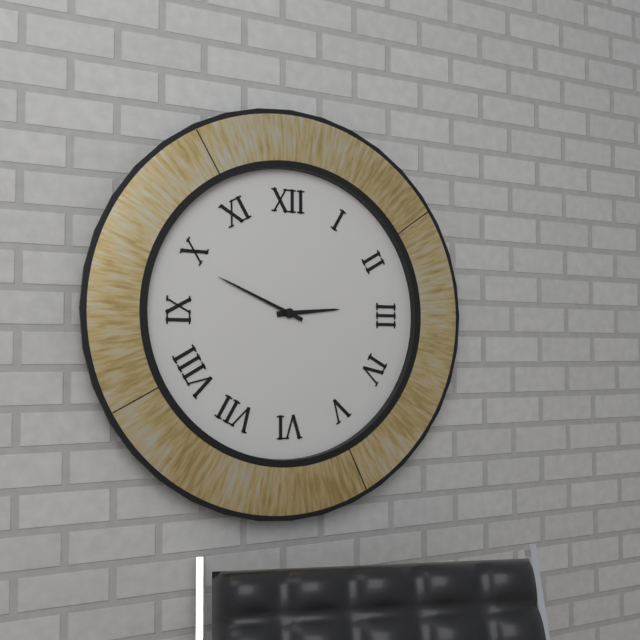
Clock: 2.49
